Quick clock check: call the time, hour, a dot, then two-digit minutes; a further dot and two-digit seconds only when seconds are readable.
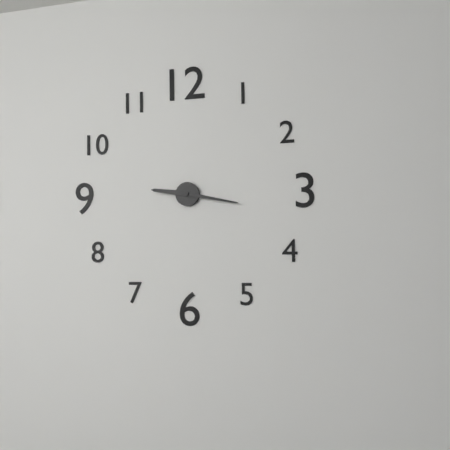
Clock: 9.17
